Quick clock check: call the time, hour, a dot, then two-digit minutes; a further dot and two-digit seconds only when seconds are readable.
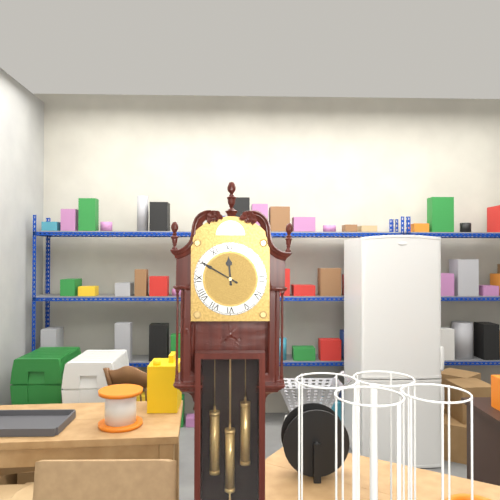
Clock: 11.50
